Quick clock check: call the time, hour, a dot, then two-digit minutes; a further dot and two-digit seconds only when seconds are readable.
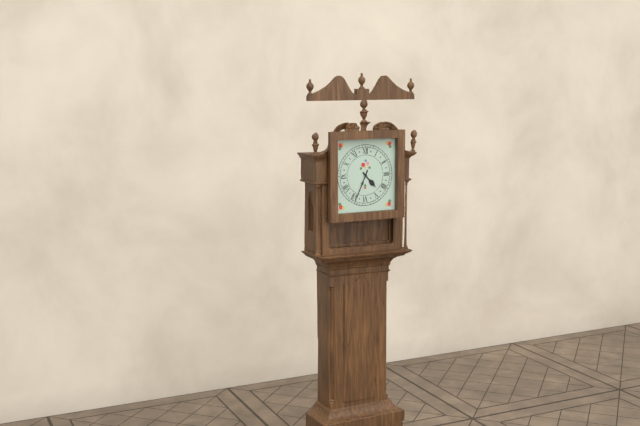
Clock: 4.34
